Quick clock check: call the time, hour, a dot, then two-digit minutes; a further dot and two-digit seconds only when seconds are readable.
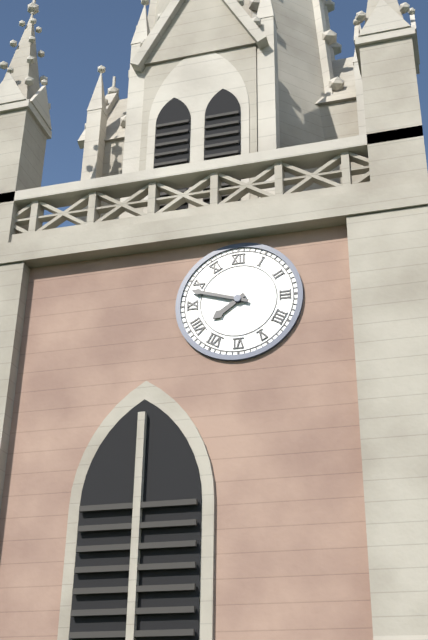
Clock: 7.48
